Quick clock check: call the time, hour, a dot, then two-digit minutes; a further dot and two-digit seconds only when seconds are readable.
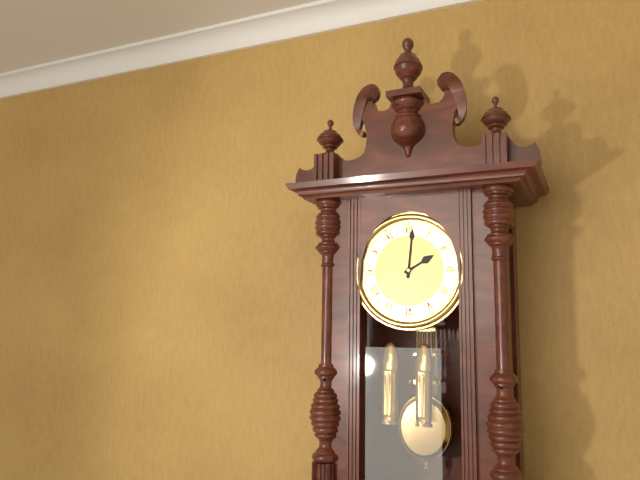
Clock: 2.01
